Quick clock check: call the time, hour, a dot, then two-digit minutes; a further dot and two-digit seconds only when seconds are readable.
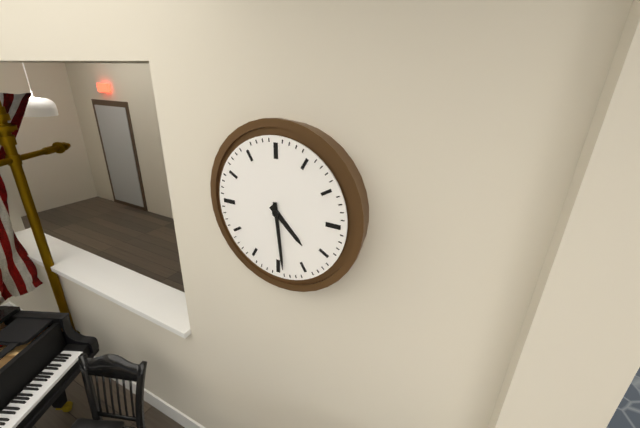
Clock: 4.29
